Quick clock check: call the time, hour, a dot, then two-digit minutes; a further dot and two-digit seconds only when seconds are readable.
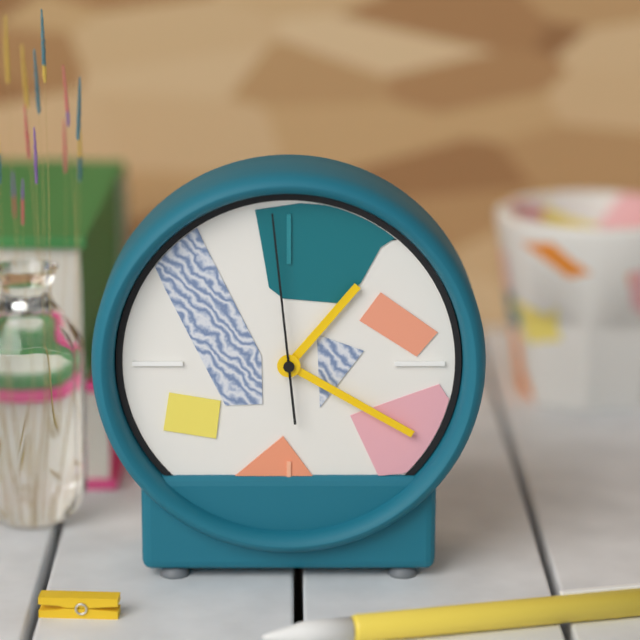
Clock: 1.20.59
